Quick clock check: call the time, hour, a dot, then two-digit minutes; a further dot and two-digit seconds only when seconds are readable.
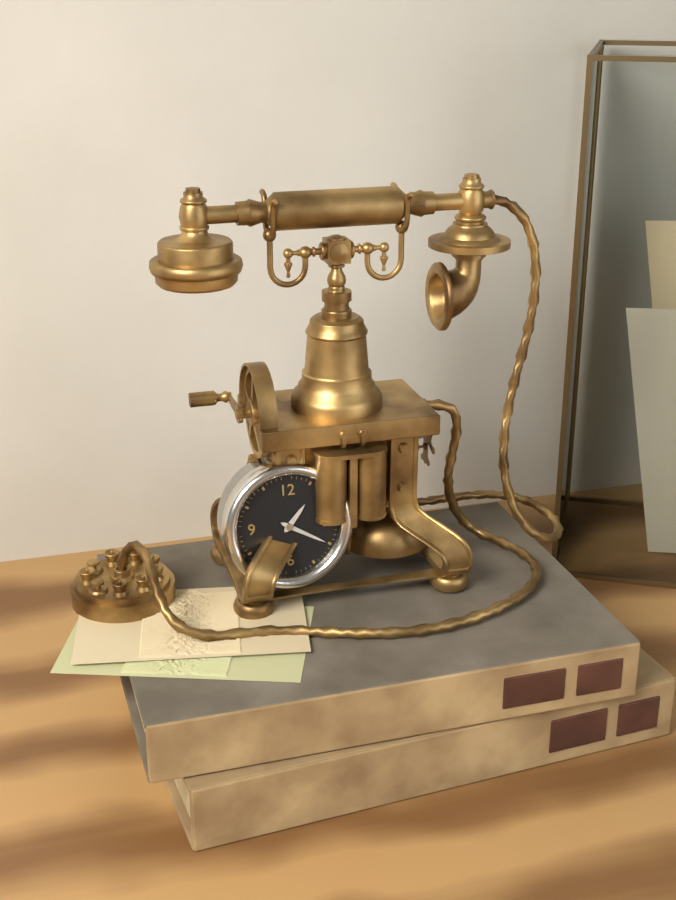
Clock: 1.20
